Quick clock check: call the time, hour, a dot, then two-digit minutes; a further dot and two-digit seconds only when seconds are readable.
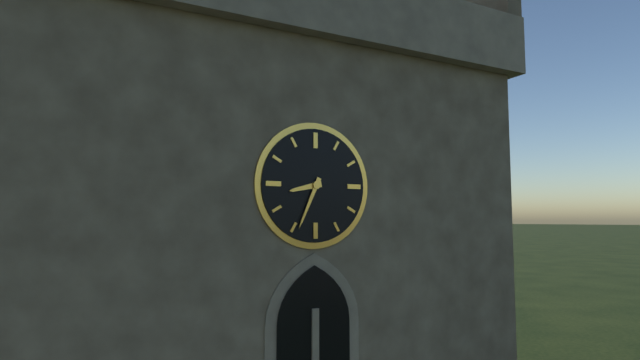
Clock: 8.34
